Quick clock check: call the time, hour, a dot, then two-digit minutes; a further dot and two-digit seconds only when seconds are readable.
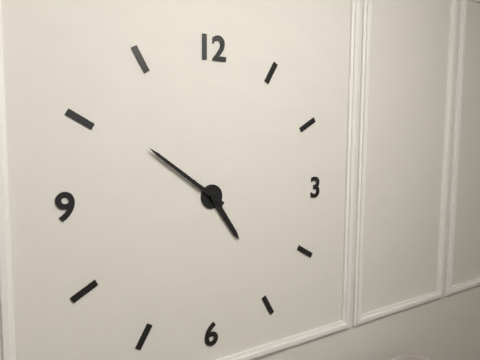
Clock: 4.51
